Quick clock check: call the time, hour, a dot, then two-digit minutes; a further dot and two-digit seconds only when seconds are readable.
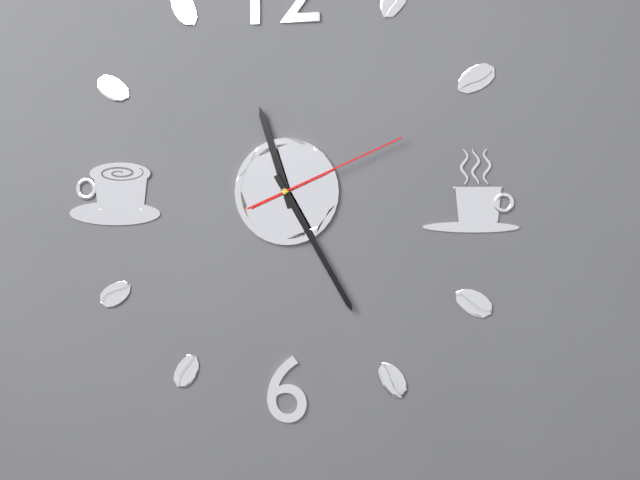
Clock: 11.25.11
